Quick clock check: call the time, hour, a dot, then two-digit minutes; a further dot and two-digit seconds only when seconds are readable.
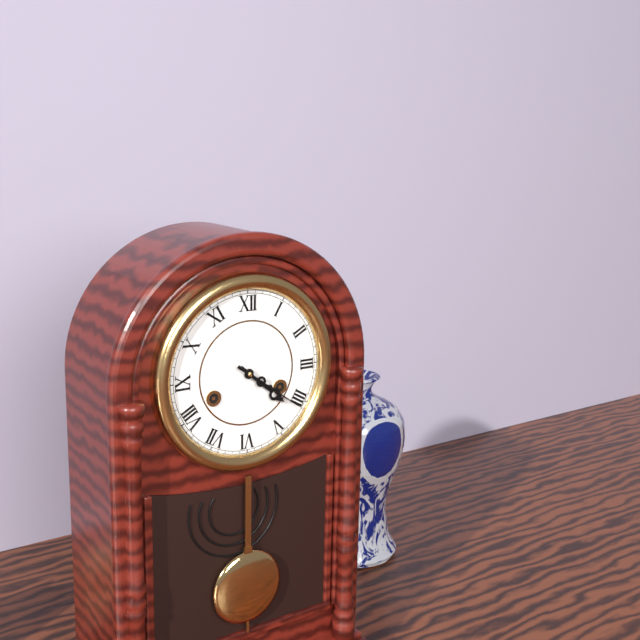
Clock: 4.21
